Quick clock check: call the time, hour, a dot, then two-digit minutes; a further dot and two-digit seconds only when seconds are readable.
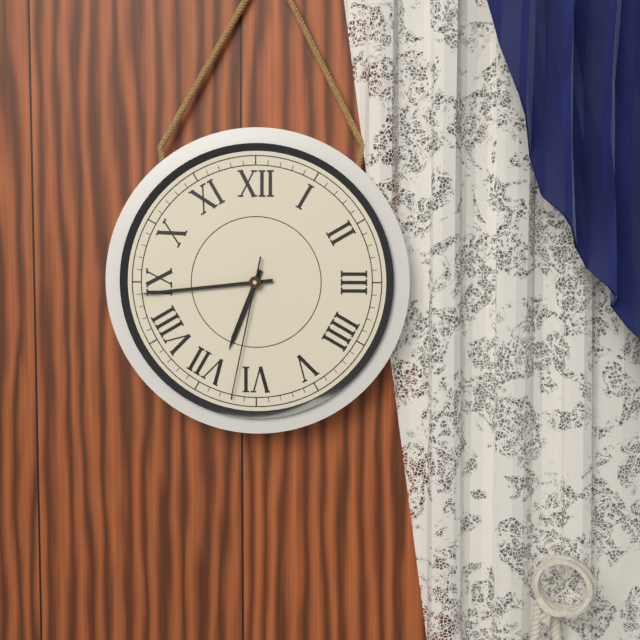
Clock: 6.44.32
